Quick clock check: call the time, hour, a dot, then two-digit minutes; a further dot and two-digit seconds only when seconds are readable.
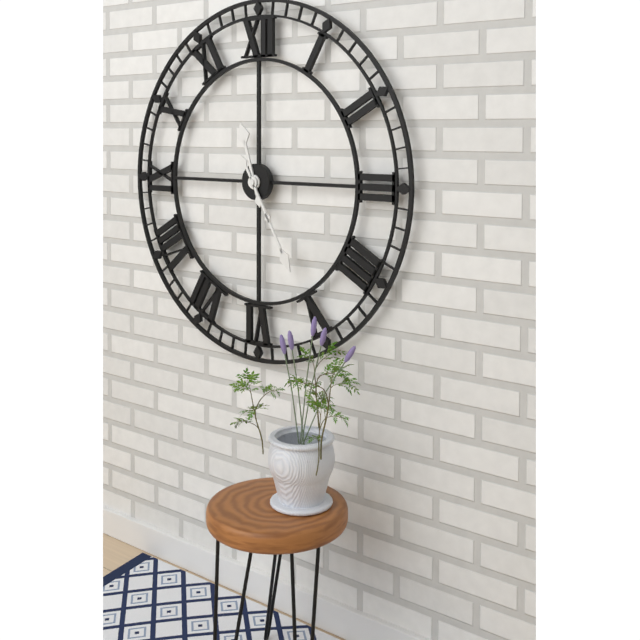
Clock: 11.25
